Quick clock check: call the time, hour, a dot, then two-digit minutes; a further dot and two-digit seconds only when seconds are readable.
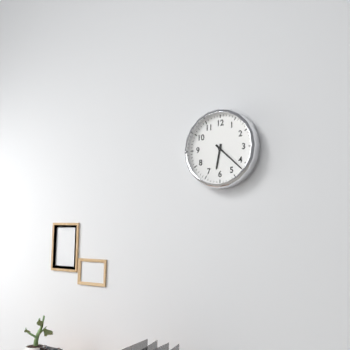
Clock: 6.22
